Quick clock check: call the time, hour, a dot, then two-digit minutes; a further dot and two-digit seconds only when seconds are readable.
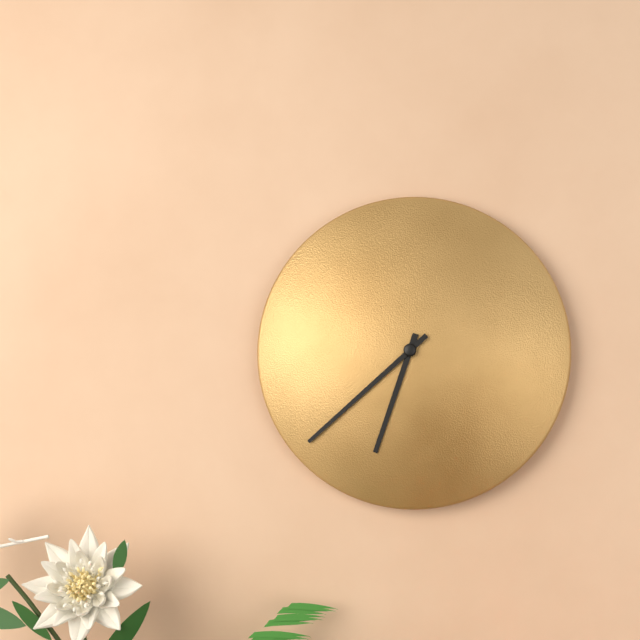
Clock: 6.38
